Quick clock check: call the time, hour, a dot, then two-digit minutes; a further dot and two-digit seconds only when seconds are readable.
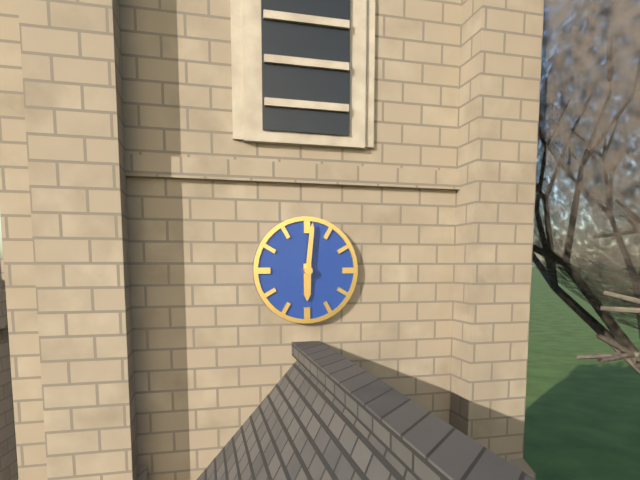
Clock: 6.01
